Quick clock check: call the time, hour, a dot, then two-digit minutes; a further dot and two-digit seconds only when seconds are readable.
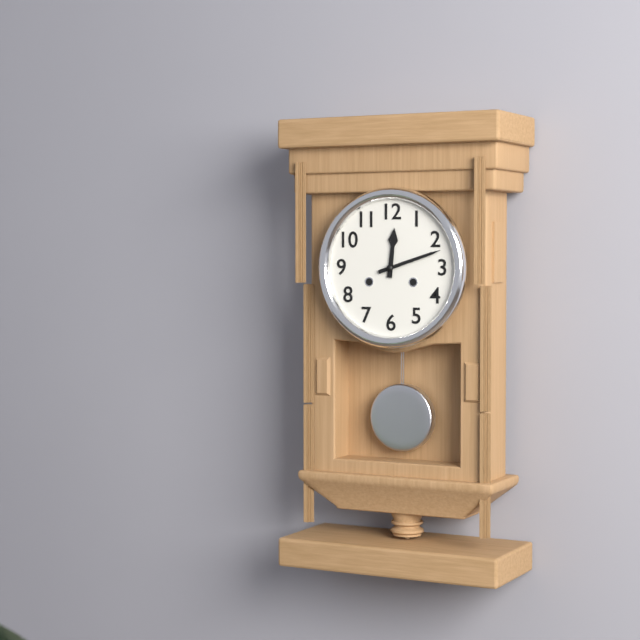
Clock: 12.12
